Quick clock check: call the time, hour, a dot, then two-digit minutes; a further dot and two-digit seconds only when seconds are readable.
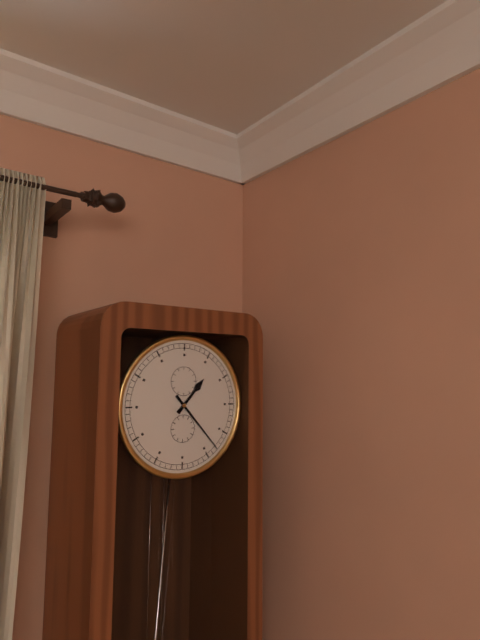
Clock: 1.23
